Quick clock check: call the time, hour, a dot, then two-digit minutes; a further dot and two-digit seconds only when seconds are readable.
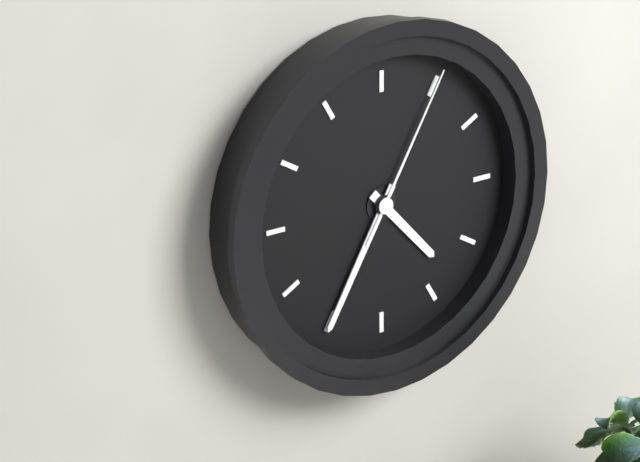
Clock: 4.35.05
